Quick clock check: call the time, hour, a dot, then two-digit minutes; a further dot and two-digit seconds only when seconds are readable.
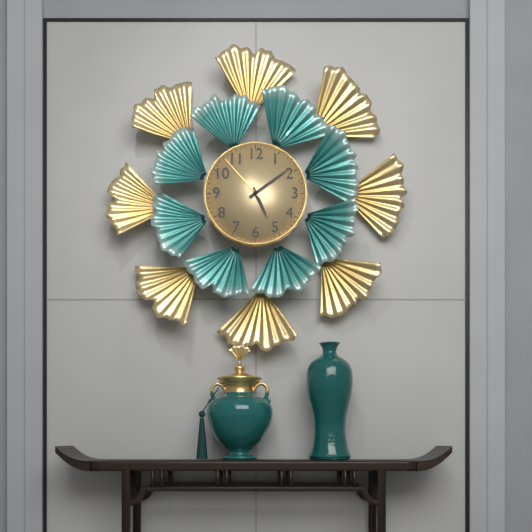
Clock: 5.09.53
